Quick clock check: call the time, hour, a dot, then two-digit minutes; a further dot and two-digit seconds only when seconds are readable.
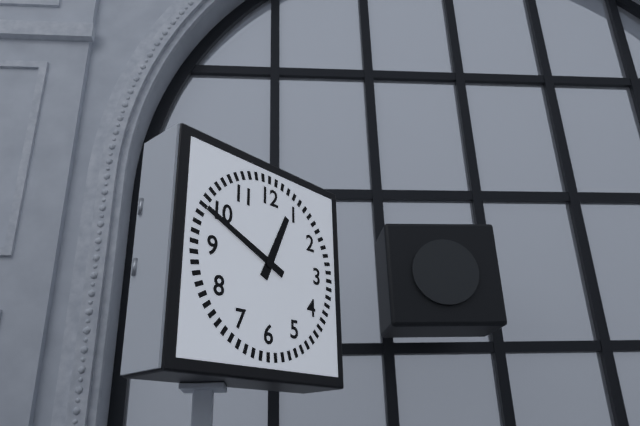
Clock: 12.49
